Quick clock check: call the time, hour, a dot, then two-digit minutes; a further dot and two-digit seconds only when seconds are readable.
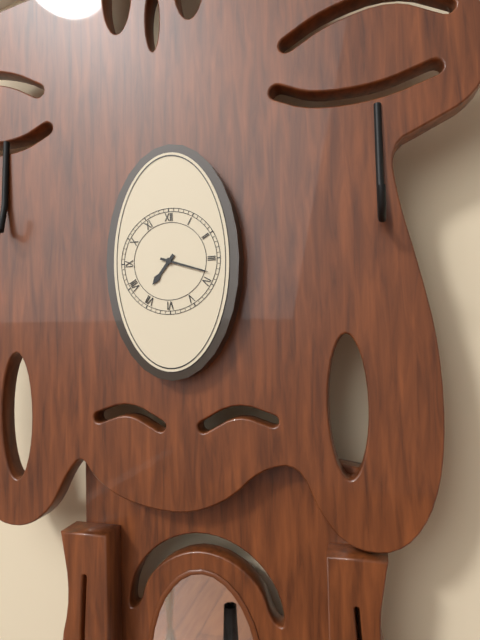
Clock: 7.18
